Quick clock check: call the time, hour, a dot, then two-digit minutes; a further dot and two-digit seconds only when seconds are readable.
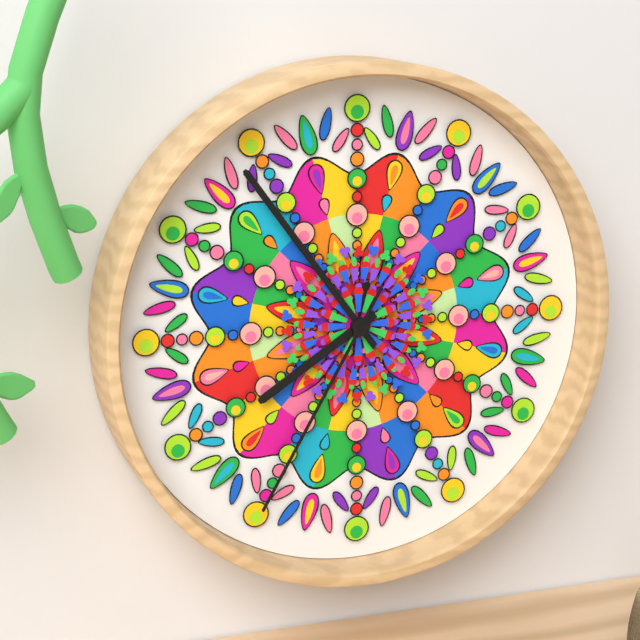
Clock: 7.54.35
